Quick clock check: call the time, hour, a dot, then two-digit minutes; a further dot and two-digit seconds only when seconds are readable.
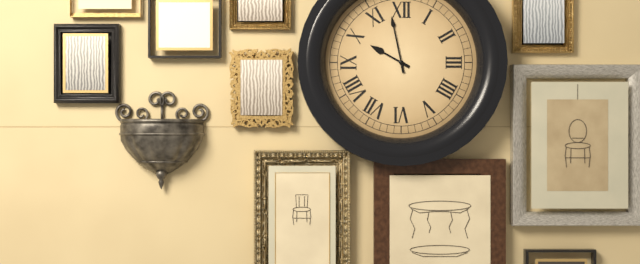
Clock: 9.58
